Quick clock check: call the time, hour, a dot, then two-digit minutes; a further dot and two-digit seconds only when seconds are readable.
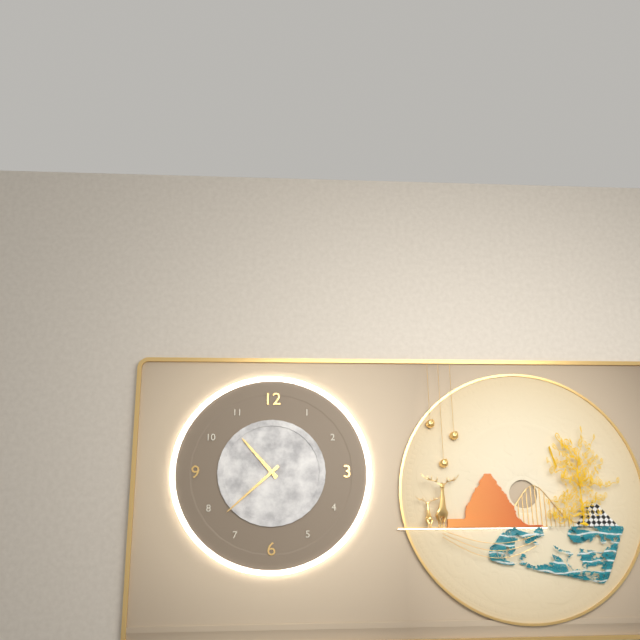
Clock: 10.38
